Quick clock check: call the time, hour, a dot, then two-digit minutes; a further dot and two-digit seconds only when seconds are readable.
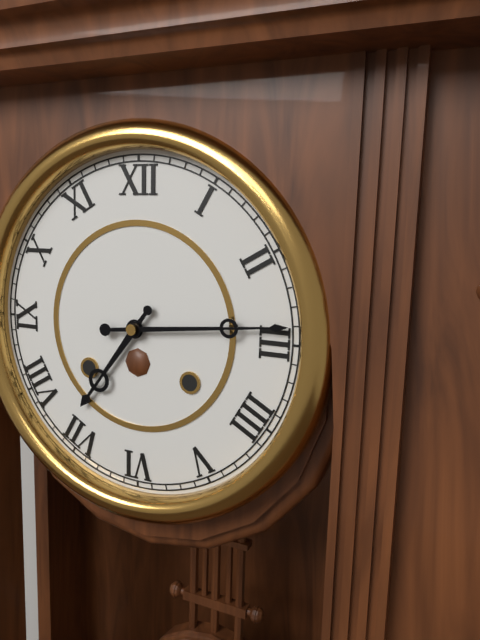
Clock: 7.14
